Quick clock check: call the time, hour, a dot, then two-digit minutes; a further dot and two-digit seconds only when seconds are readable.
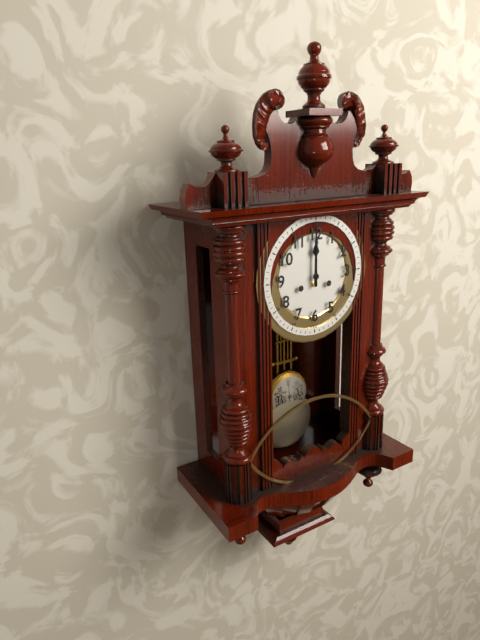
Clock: 12.00
